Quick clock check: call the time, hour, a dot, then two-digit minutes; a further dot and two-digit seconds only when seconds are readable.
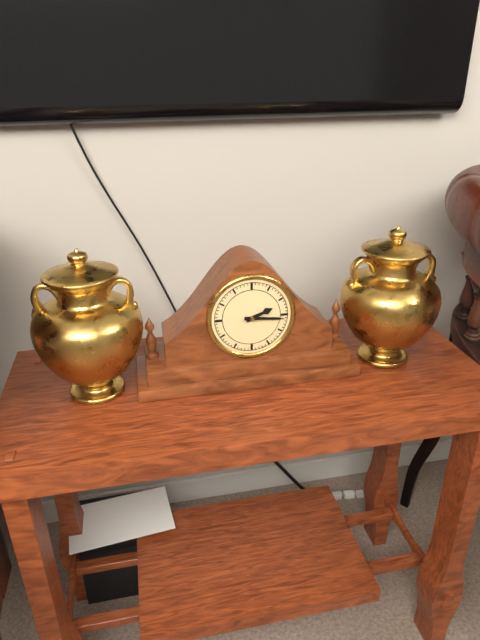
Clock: 2.16
